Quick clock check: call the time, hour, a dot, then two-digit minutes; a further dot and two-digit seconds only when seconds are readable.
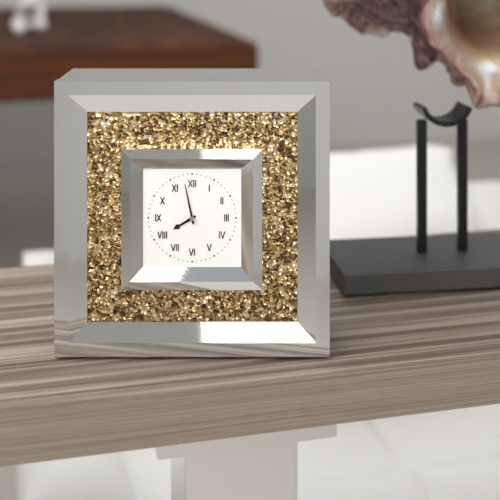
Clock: 7.58
